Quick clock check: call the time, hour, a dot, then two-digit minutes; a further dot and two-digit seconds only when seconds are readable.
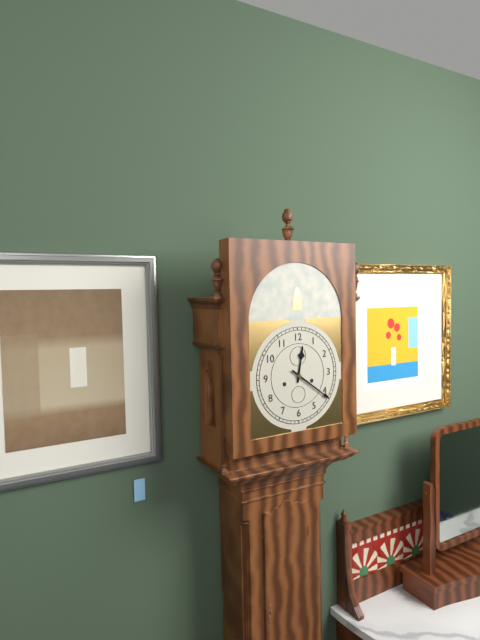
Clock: 12.21
